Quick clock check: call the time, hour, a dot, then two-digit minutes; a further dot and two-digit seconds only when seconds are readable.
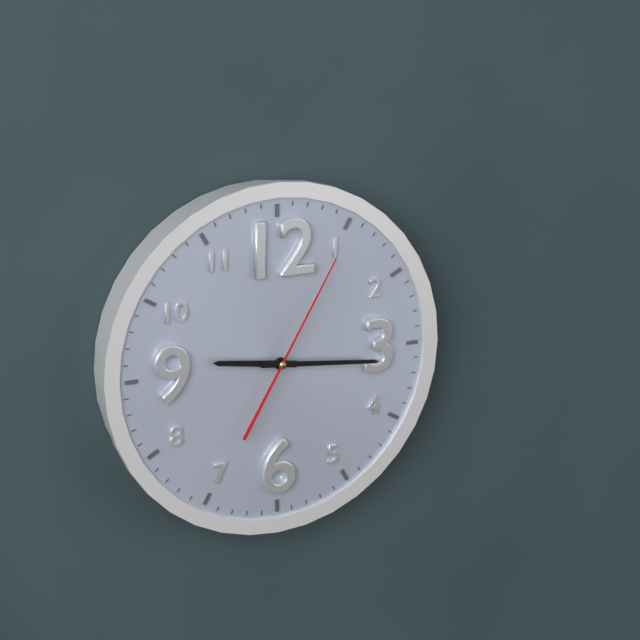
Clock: 9.16.05
